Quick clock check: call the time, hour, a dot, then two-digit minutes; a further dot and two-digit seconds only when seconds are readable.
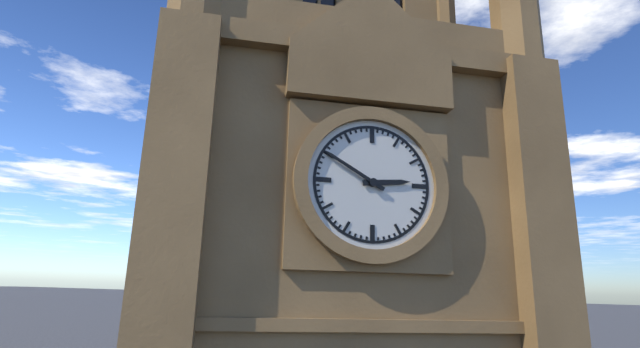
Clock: 2.50
